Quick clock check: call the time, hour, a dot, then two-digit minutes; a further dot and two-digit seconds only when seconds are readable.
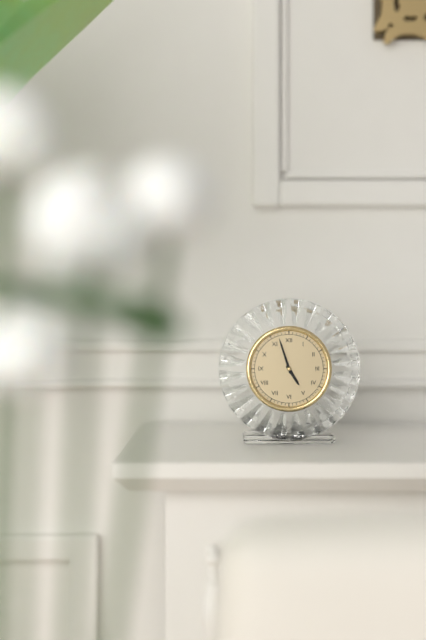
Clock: 4.57
